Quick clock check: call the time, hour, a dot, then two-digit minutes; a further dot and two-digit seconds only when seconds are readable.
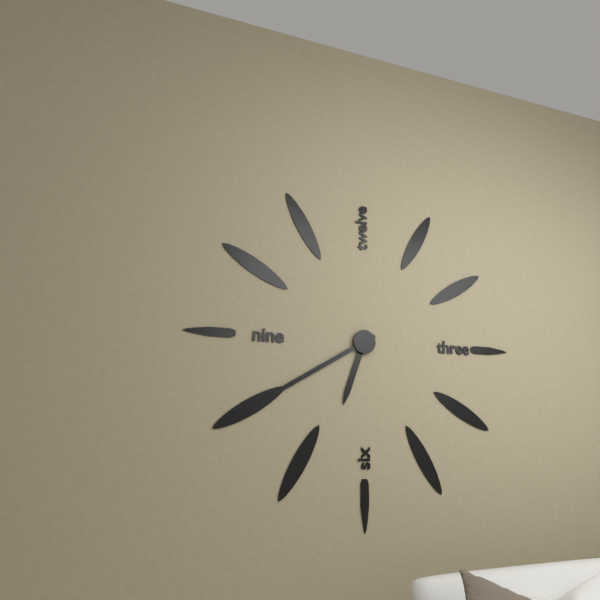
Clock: 6.40
